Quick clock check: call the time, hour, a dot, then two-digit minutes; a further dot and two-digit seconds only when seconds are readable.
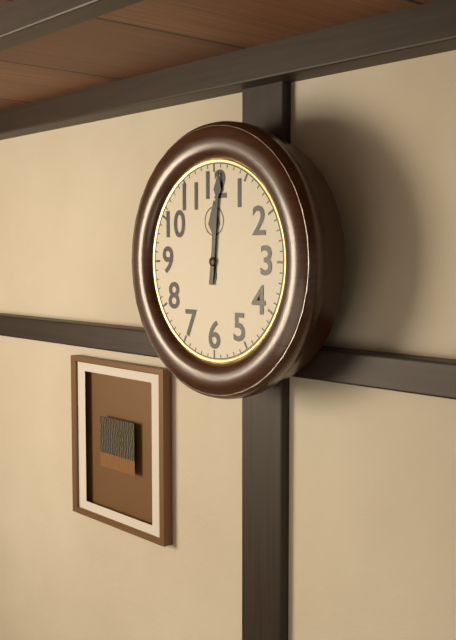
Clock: 12.01
